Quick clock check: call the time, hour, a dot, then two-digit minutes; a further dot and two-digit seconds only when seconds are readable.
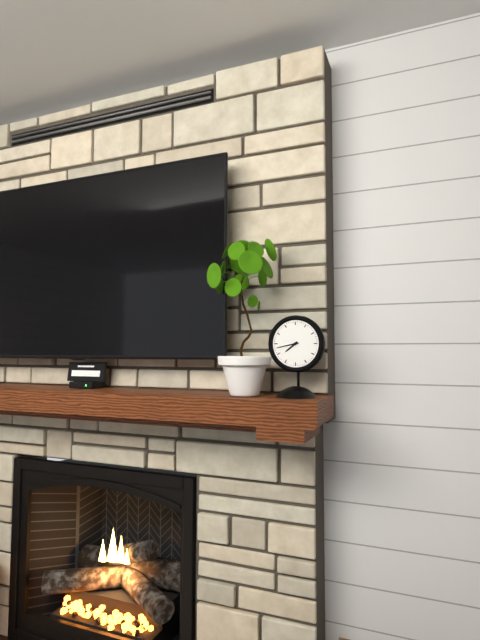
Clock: 7.43
